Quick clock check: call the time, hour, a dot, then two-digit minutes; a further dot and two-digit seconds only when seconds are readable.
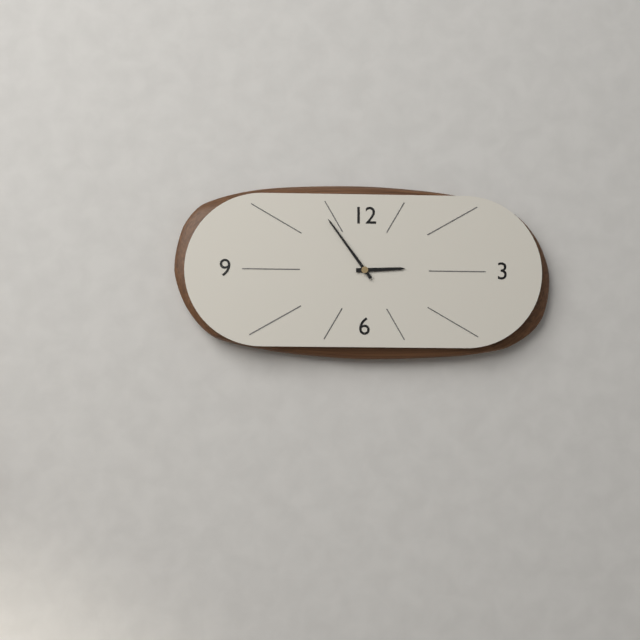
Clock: 2.54
